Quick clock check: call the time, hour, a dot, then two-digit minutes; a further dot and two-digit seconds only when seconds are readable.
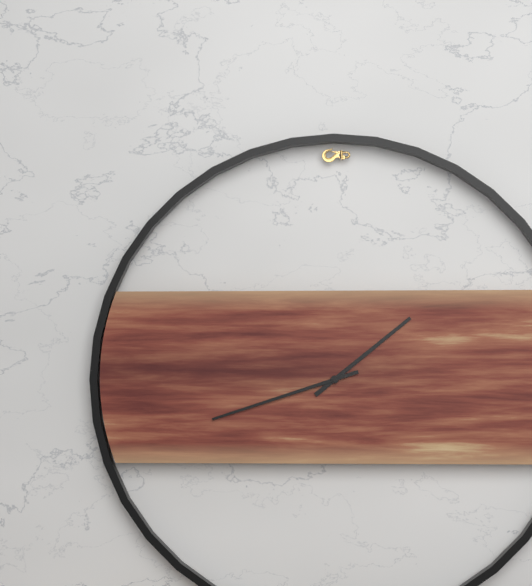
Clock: 1.42
